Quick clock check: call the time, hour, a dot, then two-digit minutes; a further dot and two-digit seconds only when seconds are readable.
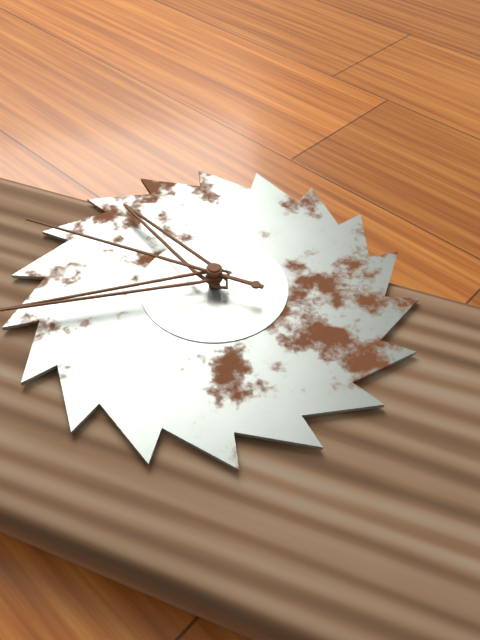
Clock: 12.54.00
